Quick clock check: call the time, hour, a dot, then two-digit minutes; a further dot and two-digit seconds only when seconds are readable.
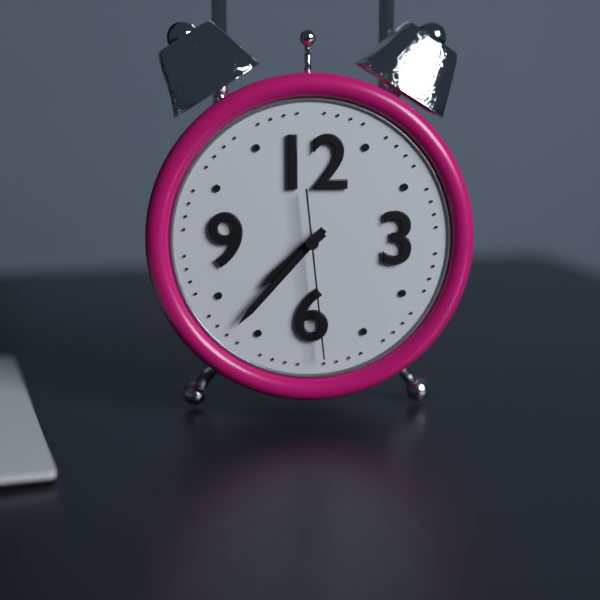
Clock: 7.37.29
